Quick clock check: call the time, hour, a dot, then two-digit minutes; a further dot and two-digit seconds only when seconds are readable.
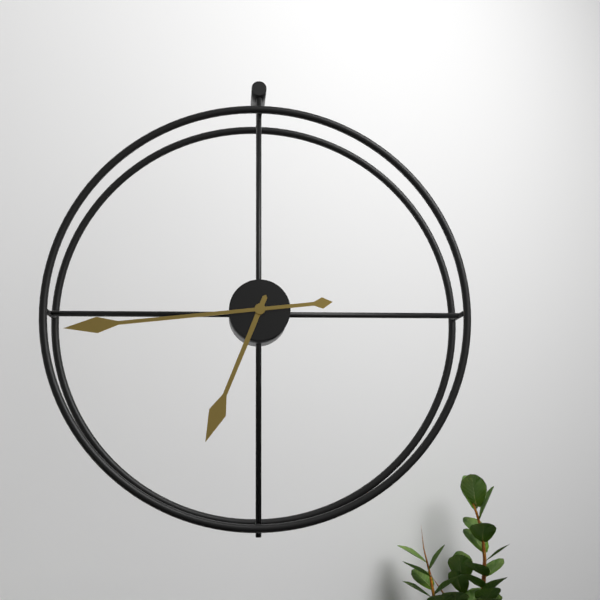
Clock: 6.44
